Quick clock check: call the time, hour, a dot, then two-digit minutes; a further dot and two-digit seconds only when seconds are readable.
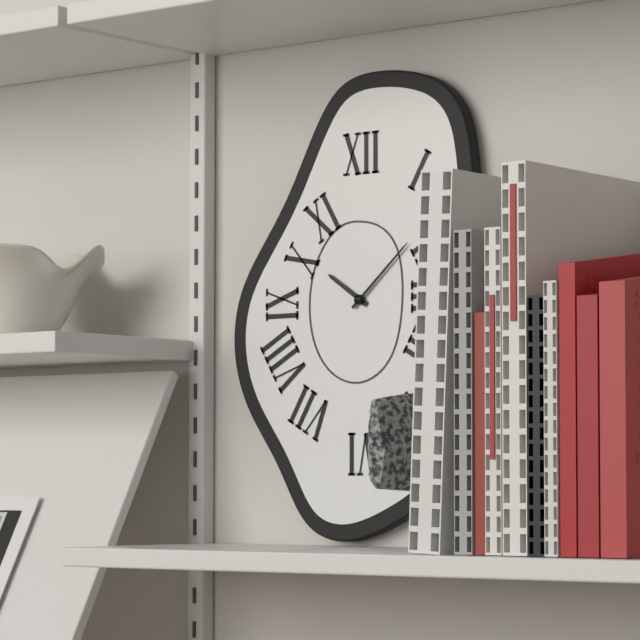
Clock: 10.08
